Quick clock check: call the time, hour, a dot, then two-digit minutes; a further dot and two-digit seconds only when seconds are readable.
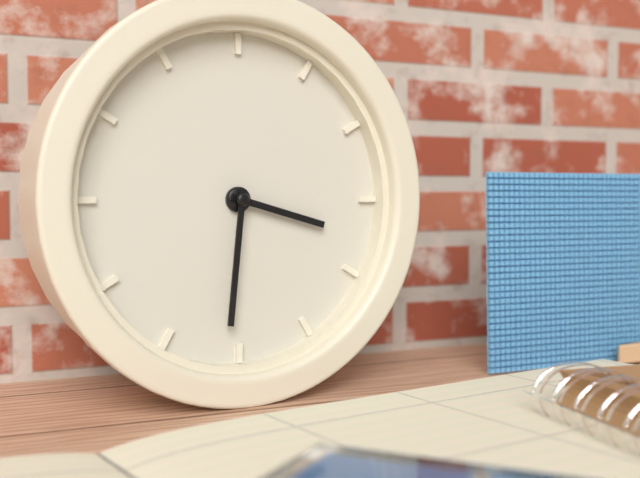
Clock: 3.31
